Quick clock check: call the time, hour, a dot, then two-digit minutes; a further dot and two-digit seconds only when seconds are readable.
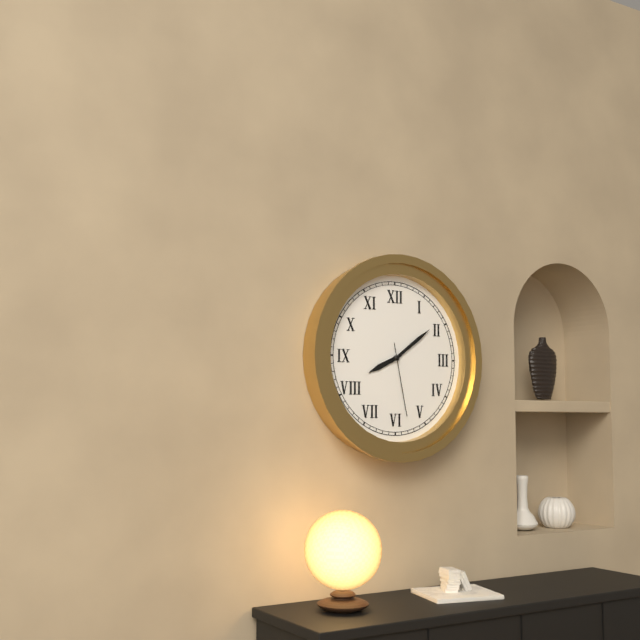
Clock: 8.09.28
